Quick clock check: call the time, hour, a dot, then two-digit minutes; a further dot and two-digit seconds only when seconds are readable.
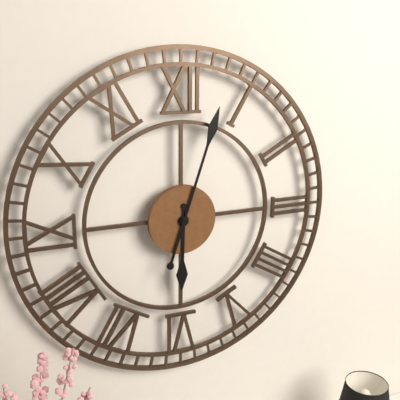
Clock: 6.03
